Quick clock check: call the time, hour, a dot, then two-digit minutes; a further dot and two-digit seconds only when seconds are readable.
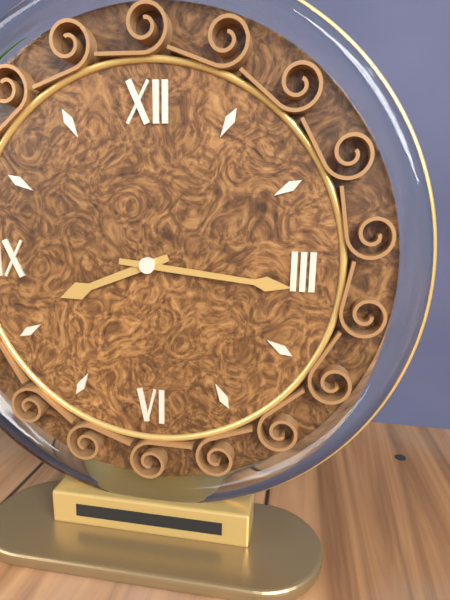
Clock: 8.16
